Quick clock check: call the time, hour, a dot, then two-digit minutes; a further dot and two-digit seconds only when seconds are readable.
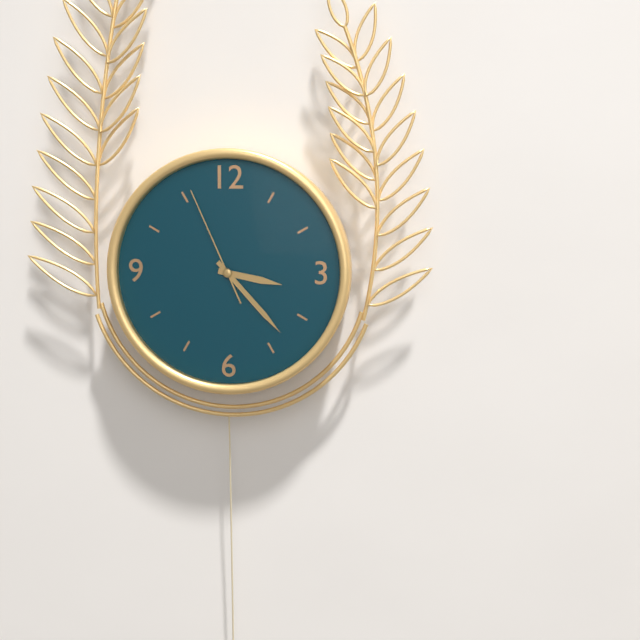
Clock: 3.23.56
